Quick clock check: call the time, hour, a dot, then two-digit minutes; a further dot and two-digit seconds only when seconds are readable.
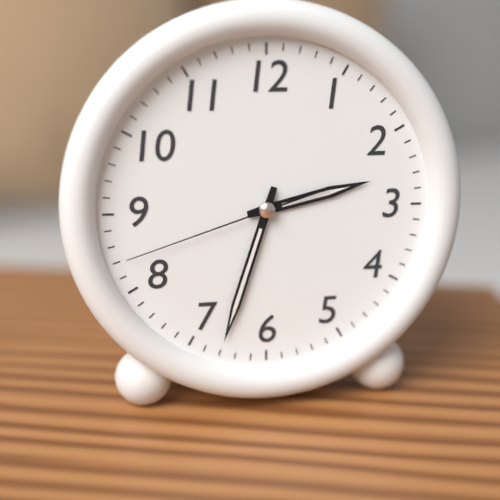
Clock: 2.33.42
